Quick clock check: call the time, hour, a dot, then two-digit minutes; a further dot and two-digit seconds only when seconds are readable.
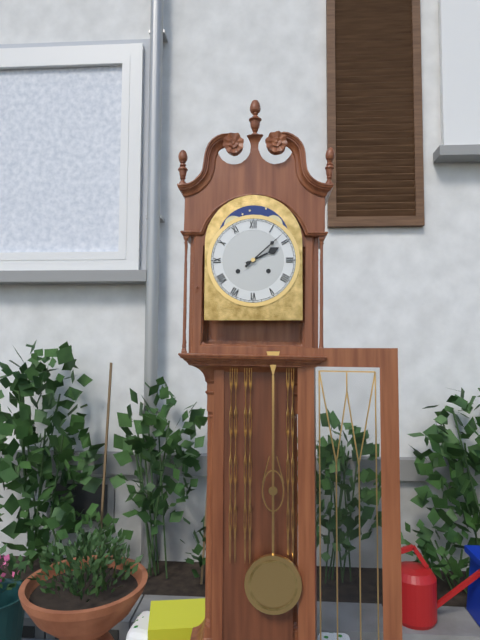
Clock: 2.08
